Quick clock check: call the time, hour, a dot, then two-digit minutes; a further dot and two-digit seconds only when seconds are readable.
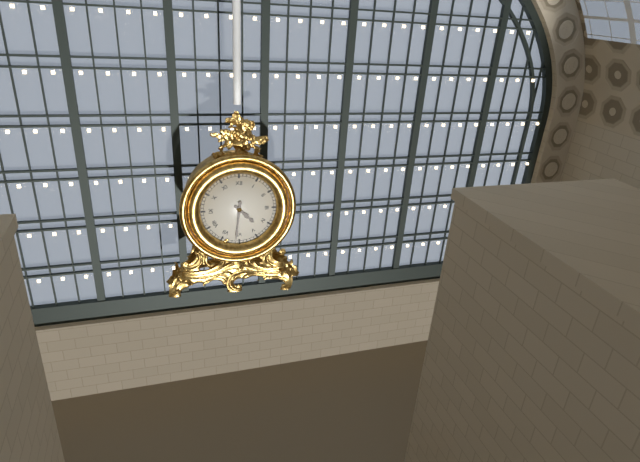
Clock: 4.31
